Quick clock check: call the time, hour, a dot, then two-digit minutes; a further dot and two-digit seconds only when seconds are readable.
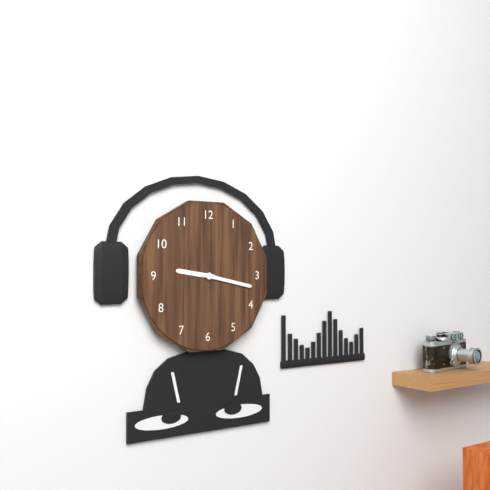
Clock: 9.17
